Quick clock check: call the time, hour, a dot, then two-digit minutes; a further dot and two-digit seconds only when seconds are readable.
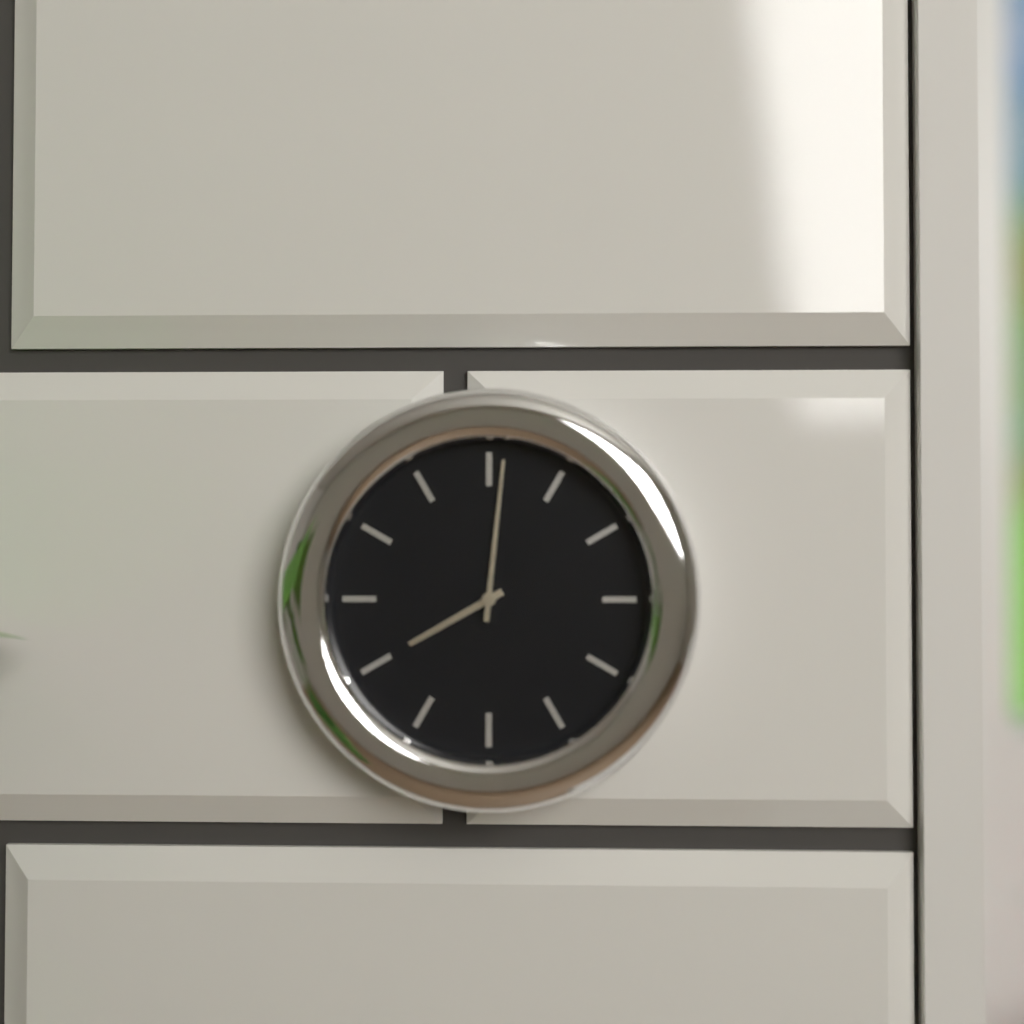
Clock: 8.01
